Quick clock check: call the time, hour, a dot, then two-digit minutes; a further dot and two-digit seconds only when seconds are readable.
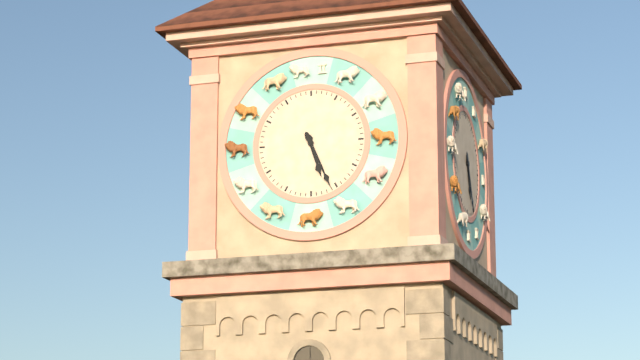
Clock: 5.26
